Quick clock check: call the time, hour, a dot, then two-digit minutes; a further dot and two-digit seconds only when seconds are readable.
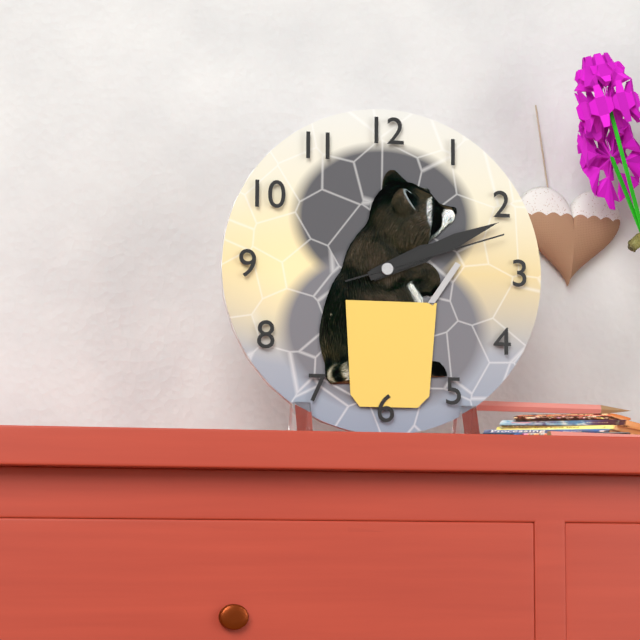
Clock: 2.11.12
